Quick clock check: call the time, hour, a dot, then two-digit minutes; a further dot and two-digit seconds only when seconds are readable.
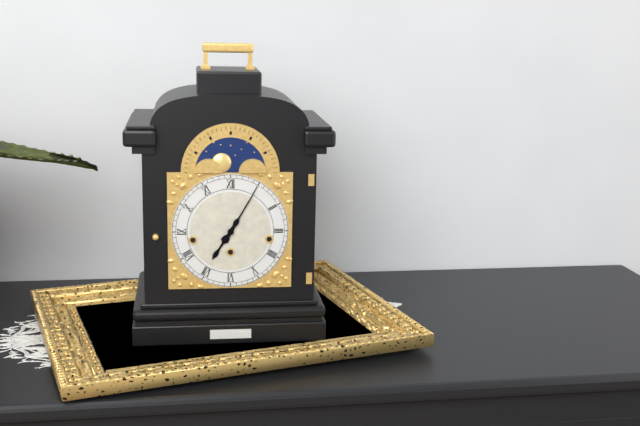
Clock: 7.05
